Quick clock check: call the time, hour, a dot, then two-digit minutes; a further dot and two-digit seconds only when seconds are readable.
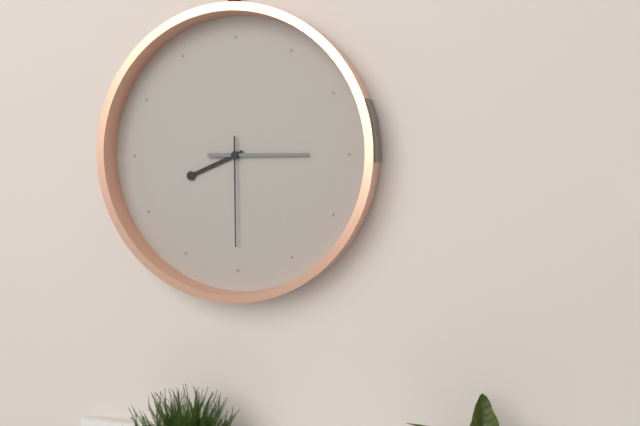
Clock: 8.15.30
